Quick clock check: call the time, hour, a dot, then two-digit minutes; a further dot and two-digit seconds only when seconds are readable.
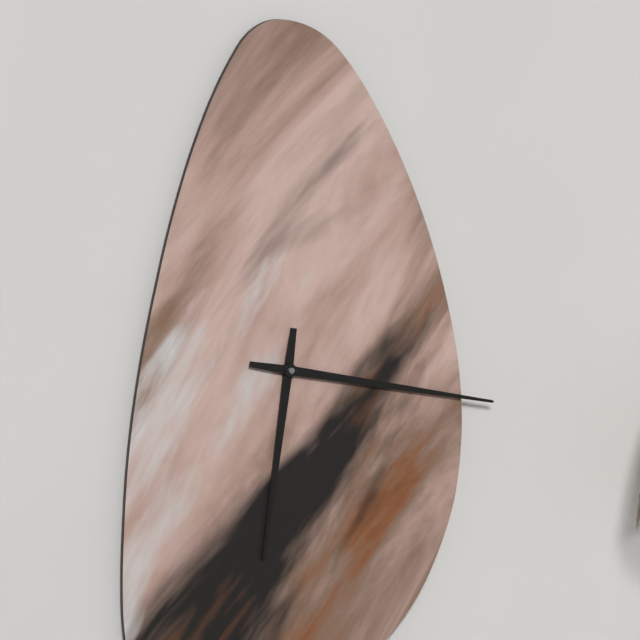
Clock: 6.17
